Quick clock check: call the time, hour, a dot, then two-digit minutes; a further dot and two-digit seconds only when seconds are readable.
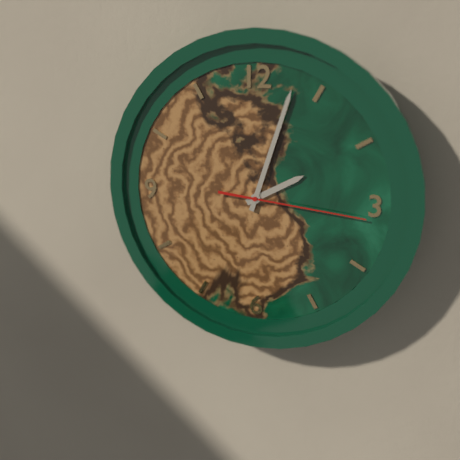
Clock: 2.03.16
